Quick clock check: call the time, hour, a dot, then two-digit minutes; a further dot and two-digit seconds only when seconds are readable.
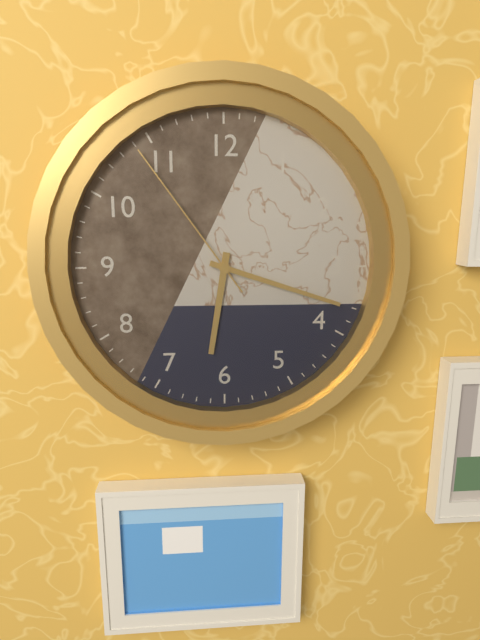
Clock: 6.18.54
